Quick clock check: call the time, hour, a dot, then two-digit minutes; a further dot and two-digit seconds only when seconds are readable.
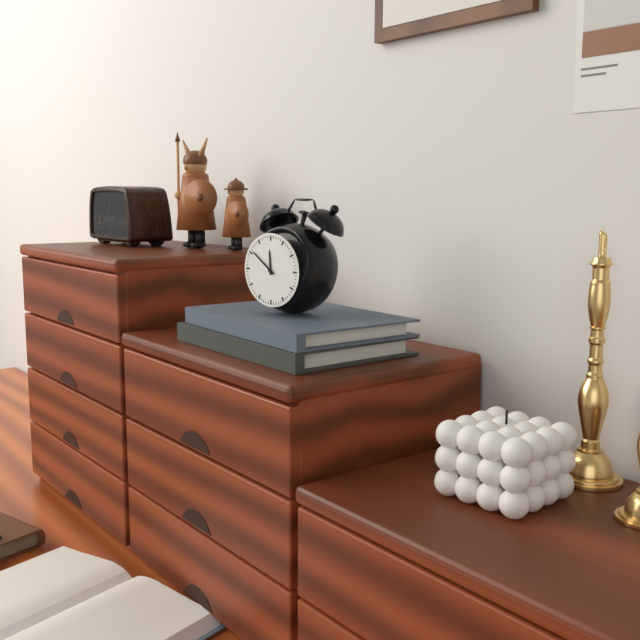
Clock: 11.51
